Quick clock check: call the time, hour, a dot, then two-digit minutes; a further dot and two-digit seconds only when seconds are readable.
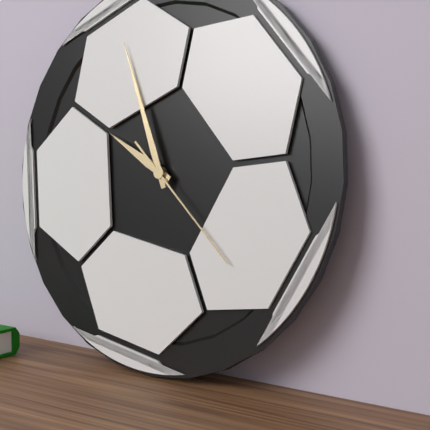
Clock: 9.56.22
